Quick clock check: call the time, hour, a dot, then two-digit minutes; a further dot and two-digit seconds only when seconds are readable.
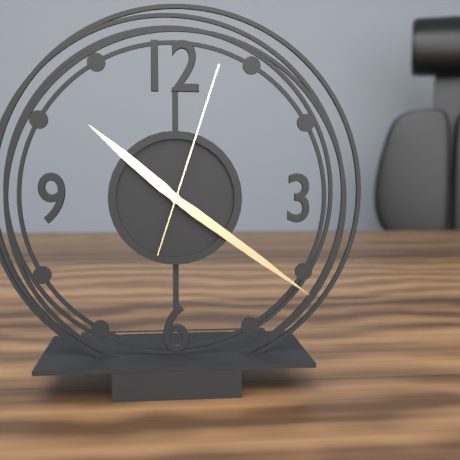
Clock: 10.21.03
